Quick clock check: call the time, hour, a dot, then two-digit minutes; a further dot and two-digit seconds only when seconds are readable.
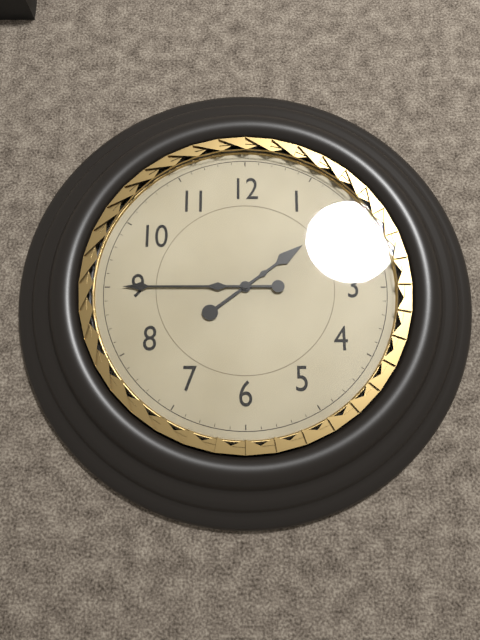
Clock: 1.45
